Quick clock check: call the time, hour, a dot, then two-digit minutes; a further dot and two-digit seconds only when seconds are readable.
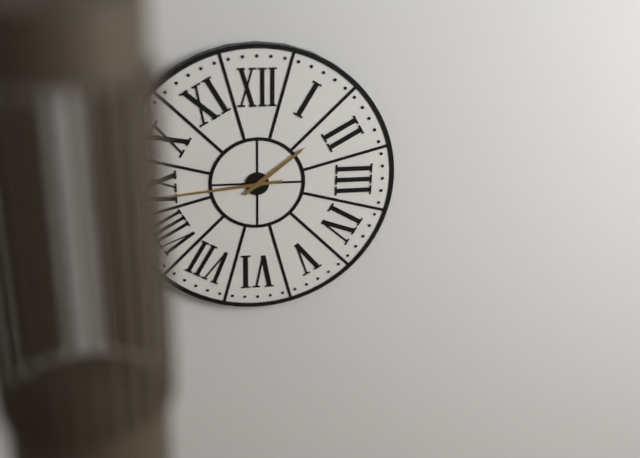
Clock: 1.44
